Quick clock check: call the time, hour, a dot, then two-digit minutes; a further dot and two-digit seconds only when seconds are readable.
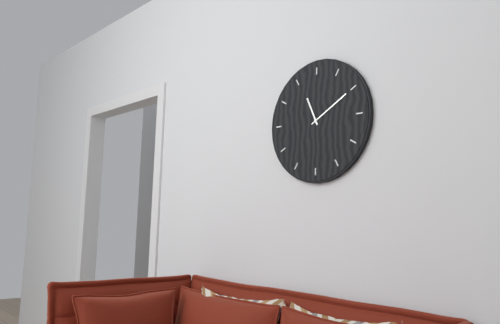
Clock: 11.10
